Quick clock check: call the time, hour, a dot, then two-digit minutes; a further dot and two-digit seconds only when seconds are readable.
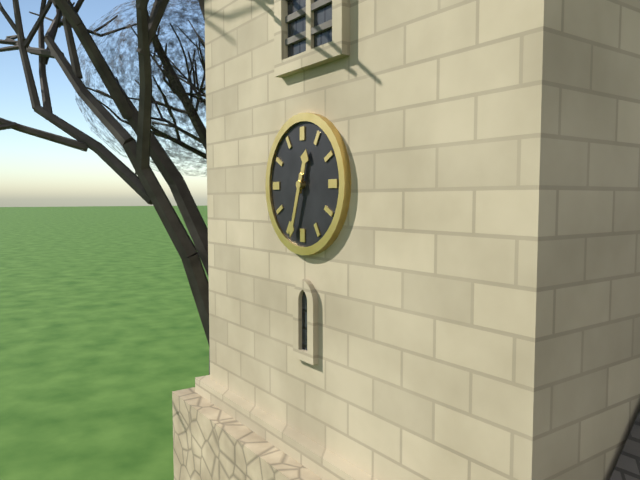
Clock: 12.33
